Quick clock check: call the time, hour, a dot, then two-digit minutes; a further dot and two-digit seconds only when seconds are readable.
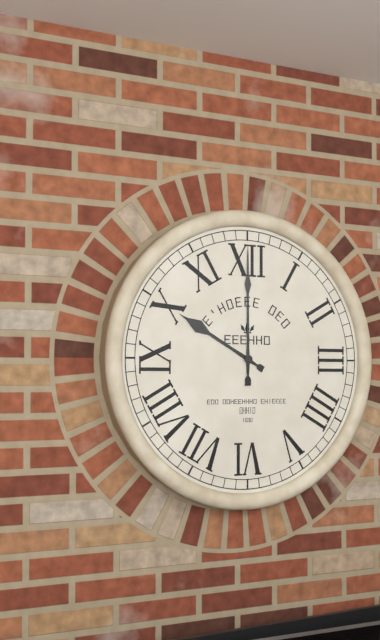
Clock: 10.00
